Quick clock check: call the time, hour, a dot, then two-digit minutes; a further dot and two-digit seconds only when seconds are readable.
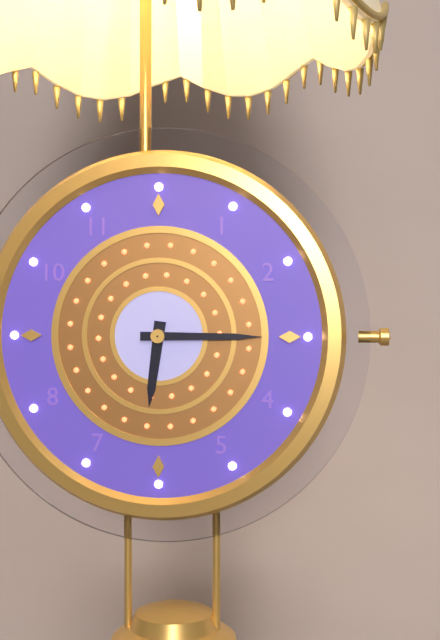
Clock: 6.15
